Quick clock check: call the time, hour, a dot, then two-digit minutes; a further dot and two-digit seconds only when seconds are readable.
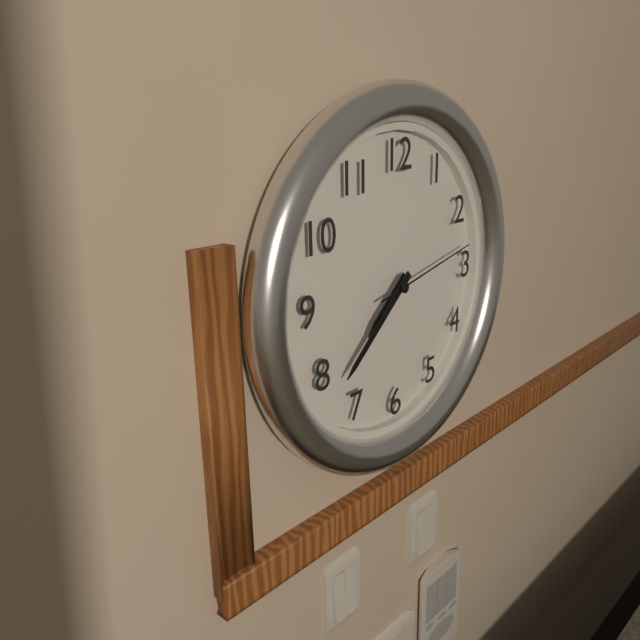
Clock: 7.38.13
